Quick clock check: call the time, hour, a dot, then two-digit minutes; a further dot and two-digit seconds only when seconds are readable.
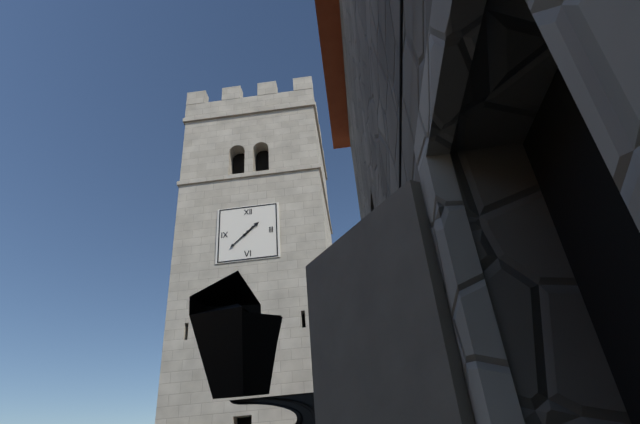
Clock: 1.38
